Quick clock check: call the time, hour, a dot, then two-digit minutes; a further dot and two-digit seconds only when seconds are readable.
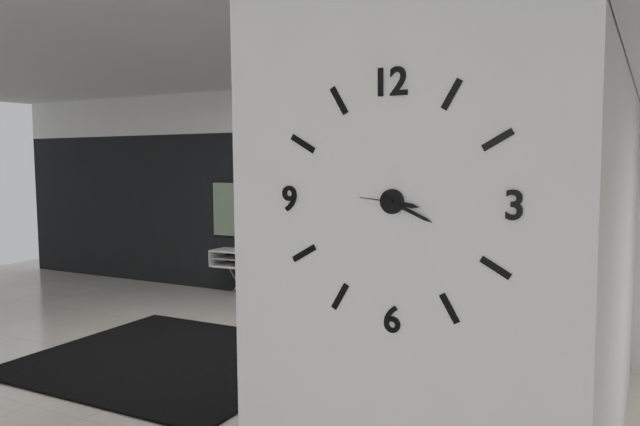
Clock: 3.19
